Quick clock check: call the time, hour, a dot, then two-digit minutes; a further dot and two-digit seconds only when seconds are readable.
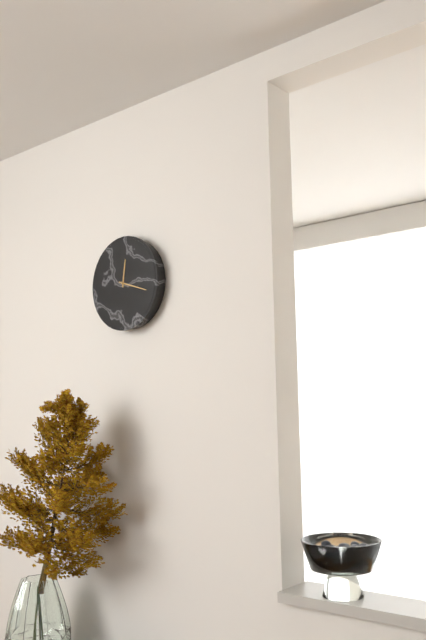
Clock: 12.18
